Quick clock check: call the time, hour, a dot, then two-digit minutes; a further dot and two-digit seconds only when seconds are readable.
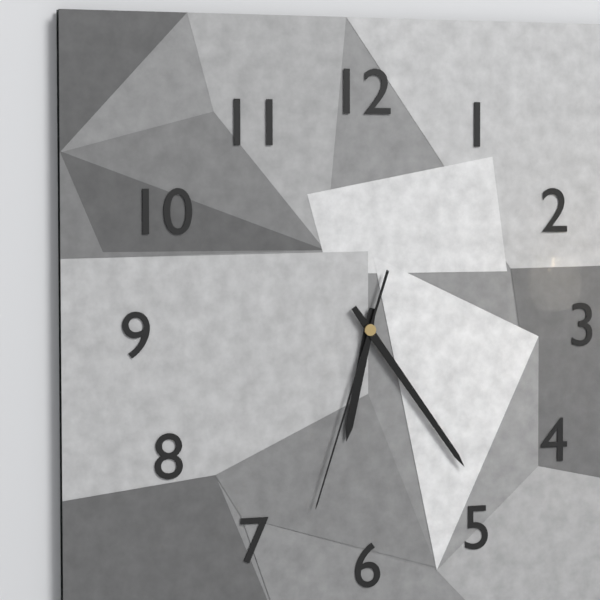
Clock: 6.24.33
